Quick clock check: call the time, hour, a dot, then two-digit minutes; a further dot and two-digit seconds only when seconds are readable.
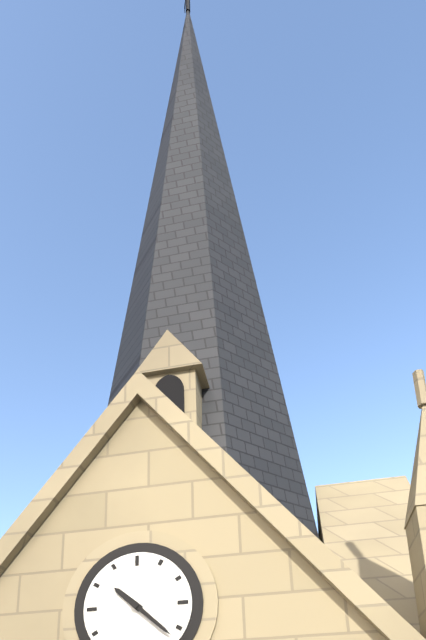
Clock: 10.22
